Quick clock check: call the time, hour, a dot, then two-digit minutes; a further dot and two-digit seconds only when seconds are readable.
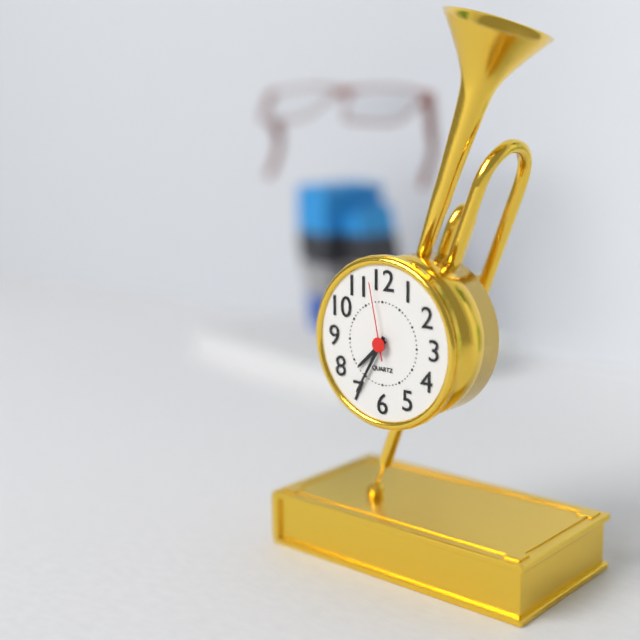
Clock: 7.35.58
